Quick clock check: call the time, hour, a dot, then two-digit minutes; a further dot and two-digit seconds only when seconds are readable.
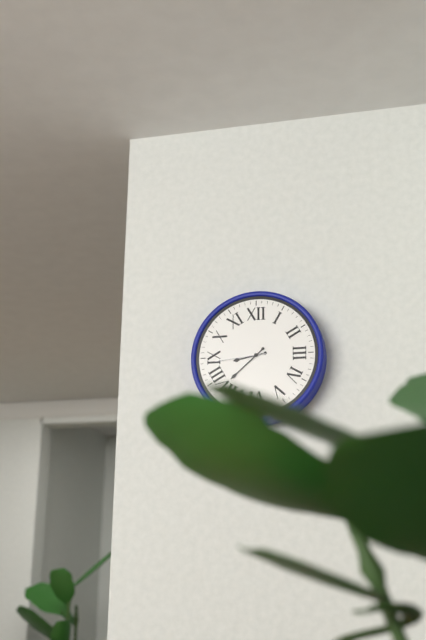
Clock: 8.38.44
